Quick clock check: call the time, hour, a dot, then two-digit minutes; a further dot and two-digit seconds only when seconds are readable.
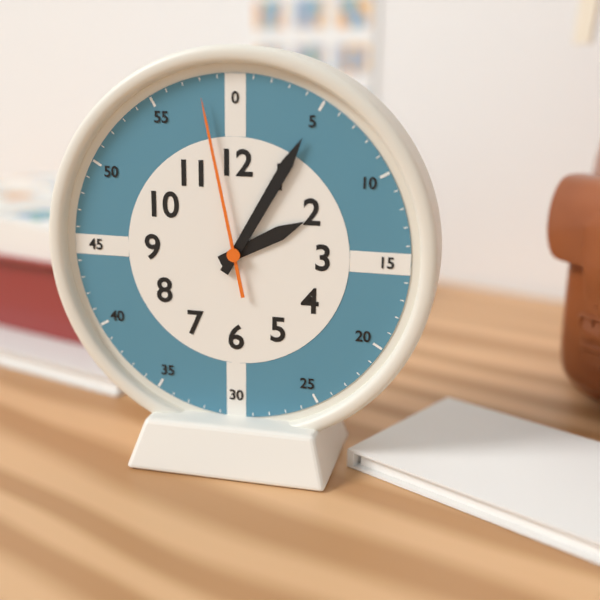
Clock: 2.05.58
